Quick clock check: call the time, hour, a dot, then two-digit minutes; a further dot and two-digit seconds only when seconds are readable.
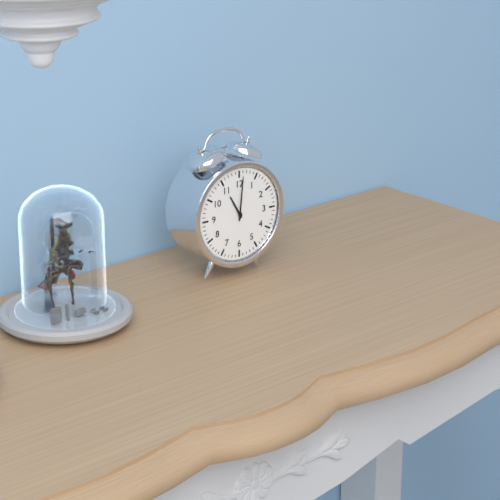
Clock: 11.01
